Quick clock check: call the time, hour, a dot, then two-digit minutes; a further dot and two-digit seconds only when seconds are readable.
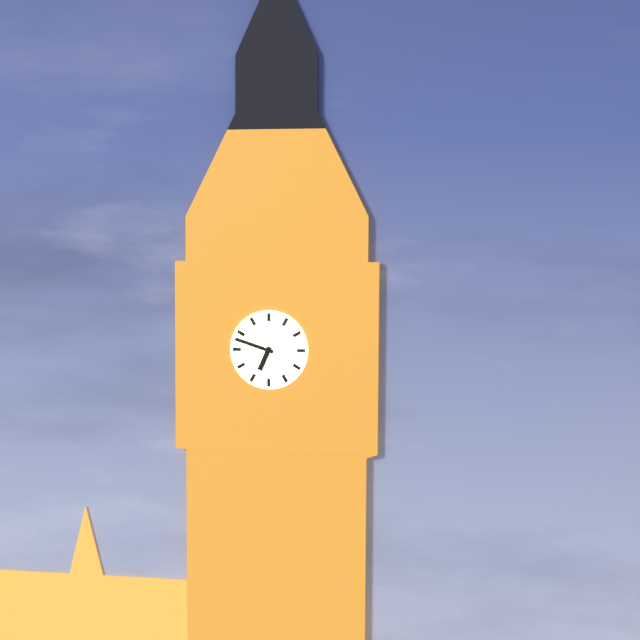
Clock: 6.48
